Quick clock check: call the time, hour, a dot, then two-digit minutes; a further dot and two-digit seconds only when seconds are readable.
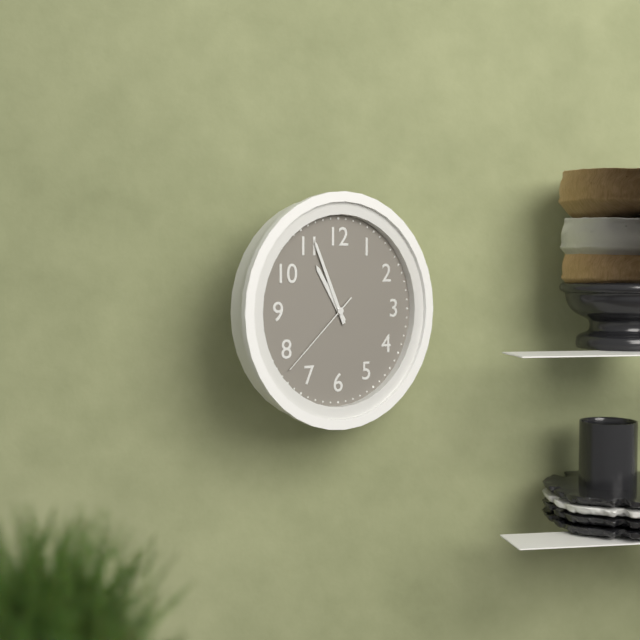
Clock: 10.56.38
